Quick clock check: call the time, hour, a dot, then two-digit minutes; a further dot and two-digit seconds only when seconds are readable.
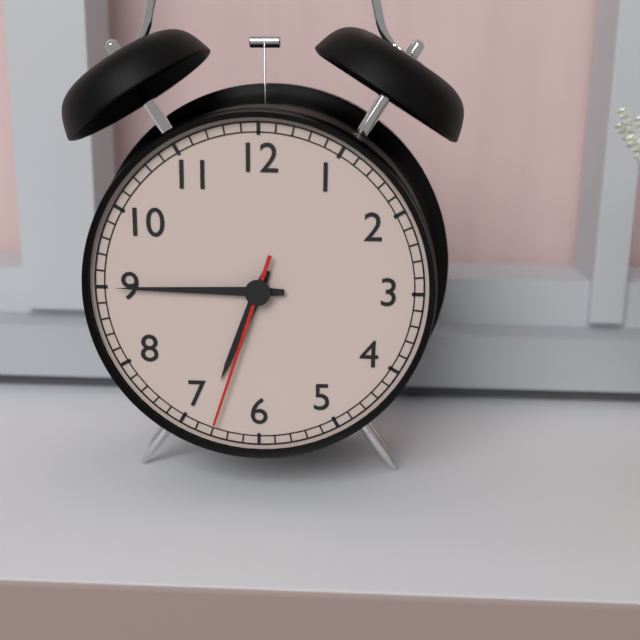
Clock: 6.45.33
